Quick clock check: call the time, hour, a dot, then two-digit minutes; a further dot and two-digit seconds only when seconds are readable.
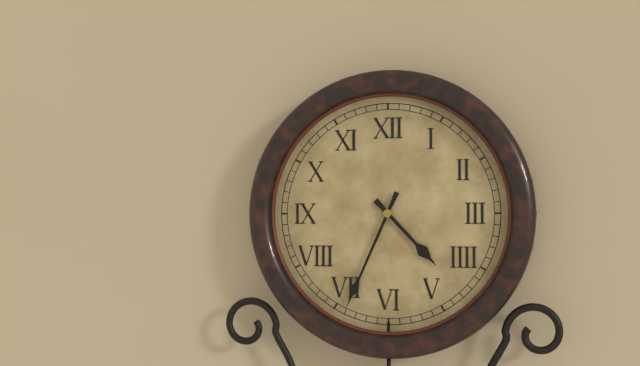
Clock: 4.34
